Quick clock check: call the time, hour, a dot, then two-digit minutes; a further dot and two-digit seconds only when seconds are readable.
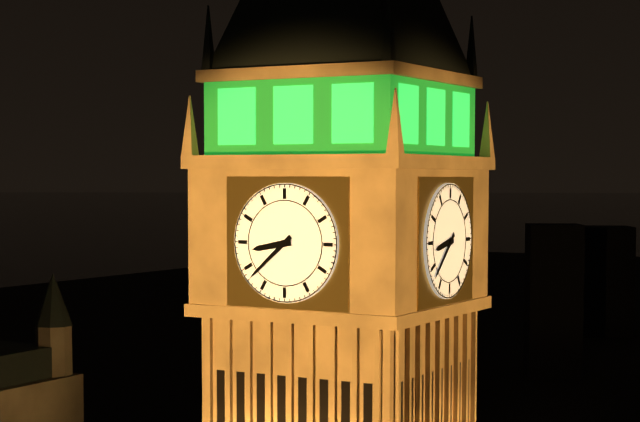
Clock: 8.38
